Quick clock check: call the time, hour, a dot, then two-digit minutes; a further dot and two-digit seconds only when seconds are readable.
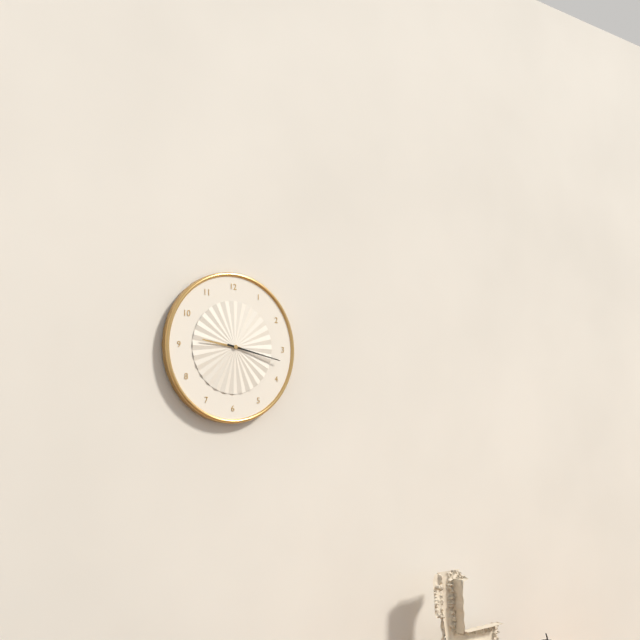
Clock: 9.17
